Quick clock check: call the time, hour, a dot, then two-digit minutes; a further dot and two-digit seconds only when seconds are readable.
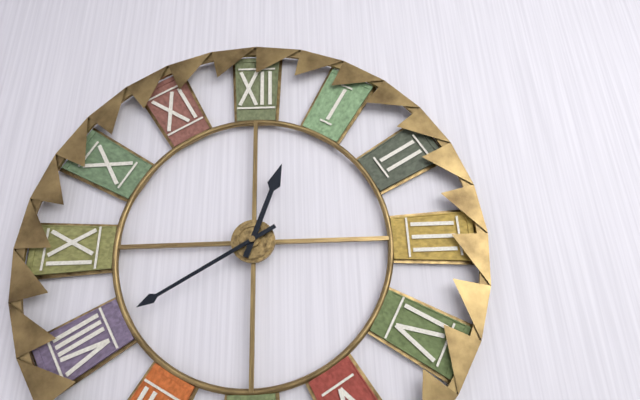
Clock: 12.40
